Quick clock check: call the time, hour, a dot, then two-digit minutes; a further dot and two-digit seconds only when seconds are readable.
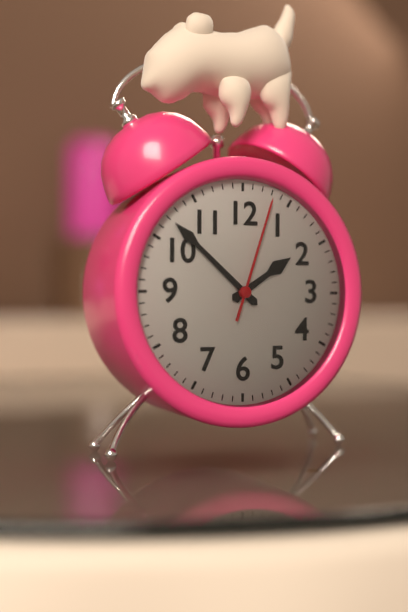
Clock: 1.52.03
